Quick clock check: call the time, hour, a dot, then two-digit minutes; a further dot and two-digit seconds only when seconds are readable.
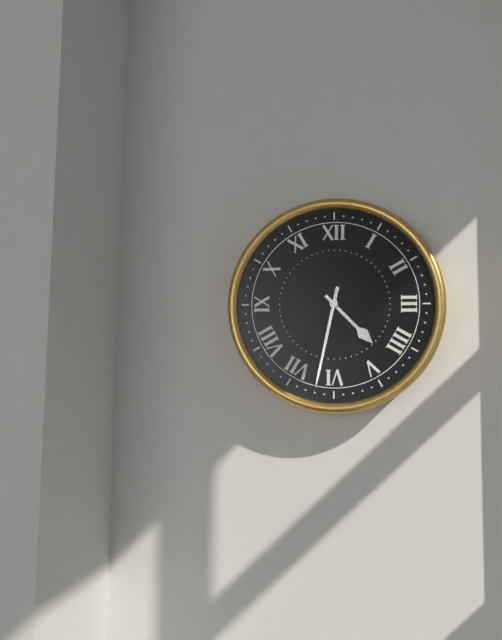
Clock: 4.32
